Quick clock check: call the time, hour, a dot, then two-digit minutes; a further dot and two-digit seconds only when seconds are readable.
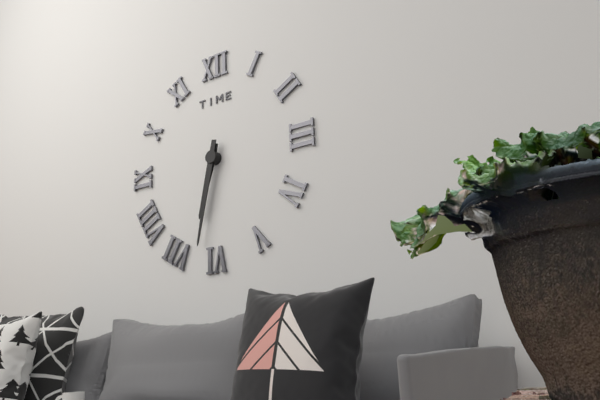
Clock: 6.32
